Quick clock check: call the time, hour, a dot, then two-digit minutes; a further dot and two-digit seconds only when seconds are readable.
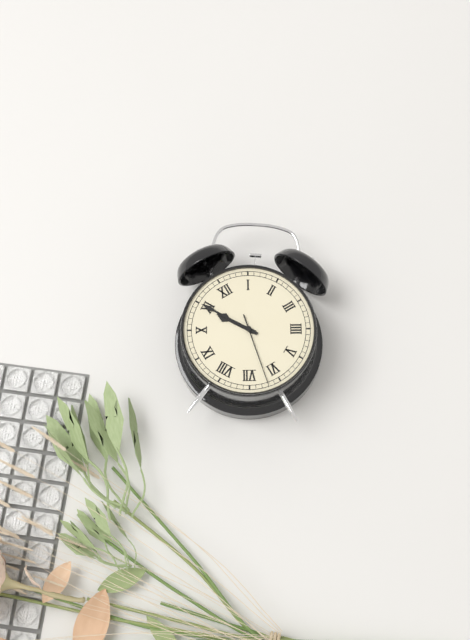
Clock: 10.55.32
